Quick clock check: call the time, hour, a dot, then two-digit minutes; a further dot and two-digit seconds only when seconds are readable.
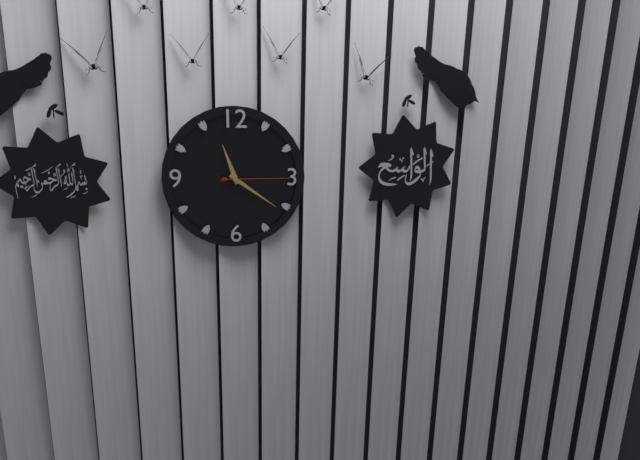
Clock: 11.21.15
